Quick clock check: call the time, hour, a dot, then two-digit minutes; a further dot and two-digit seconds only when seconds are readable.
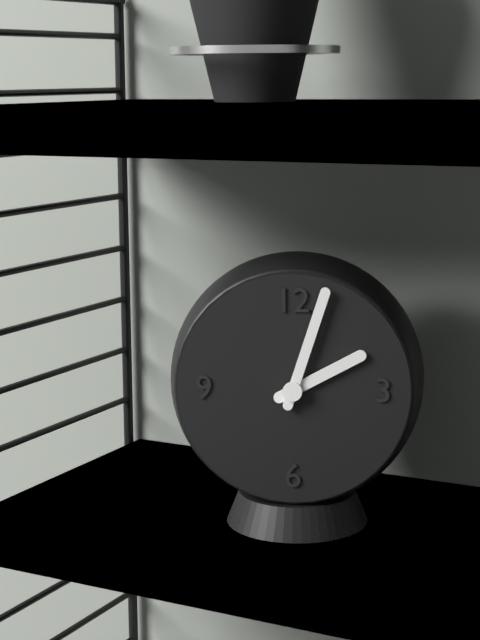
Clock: 2.03
